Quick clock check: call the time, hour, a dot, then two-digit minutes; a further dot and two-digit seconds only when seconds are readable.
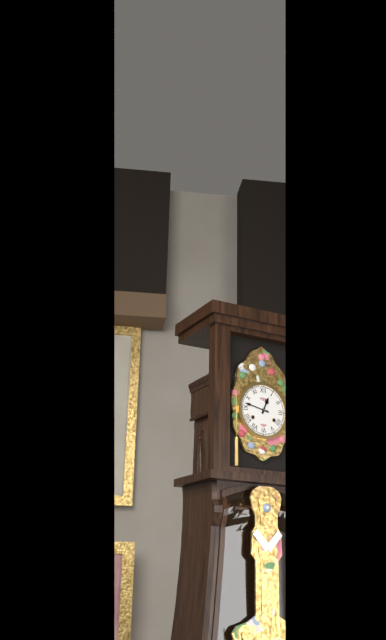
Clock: 12.47
